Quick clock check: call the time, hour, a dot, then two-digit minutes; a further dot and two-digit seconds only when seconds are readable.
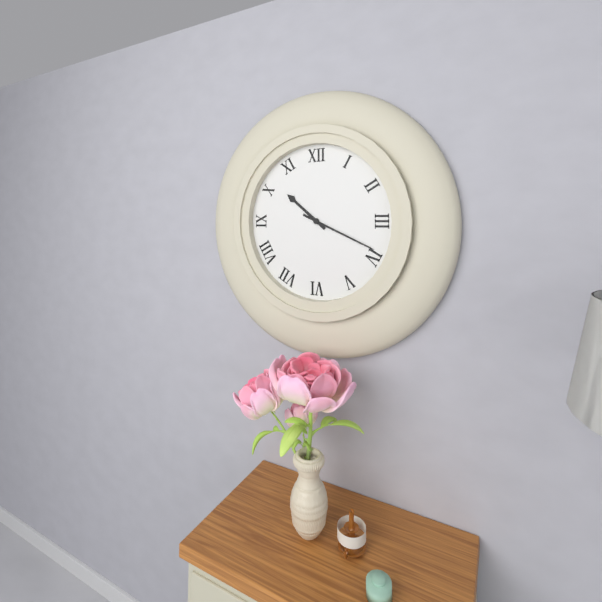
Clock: 10.19
